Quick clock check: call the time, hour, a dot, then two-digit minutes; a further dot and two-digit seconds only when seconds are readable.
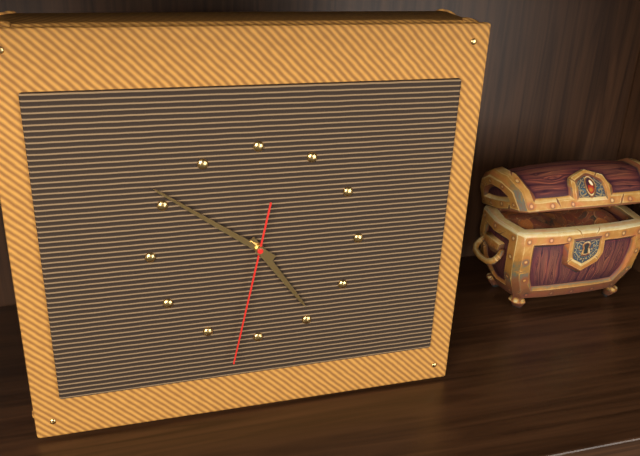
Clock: 4.51.32
